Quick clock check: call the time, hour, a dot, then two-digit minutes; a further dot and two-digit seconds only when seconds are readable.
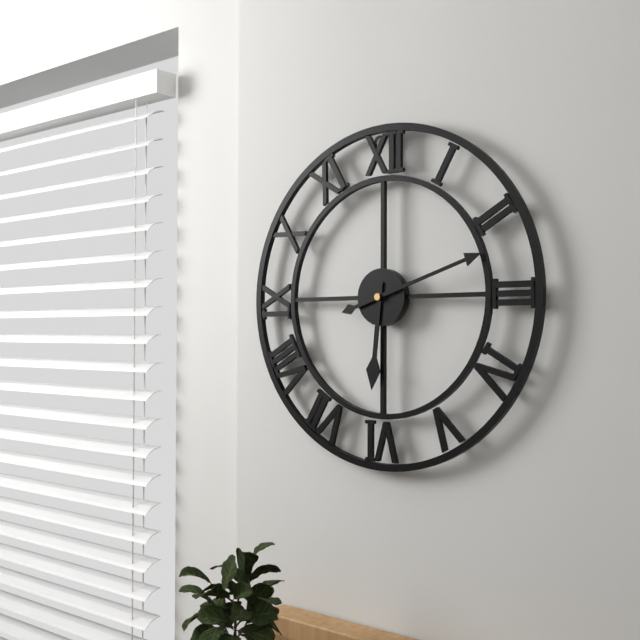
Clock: 6.12
